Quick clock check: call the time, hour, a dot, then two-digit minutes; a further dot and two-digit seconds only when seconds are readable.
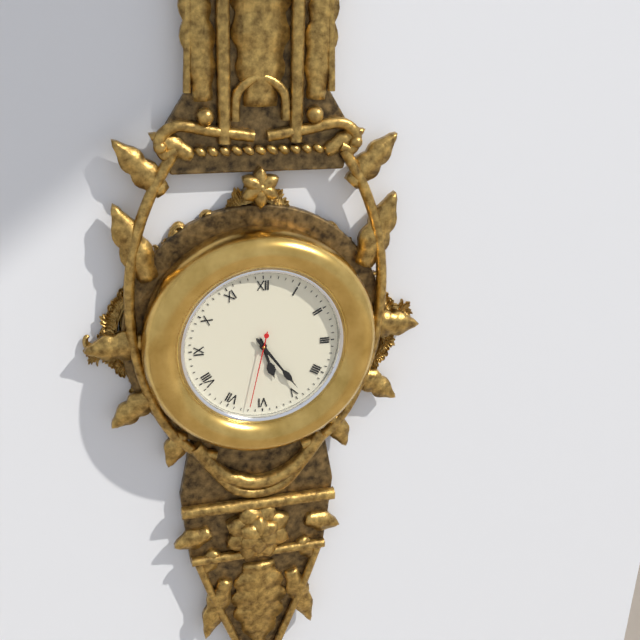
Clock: 5.24.32
